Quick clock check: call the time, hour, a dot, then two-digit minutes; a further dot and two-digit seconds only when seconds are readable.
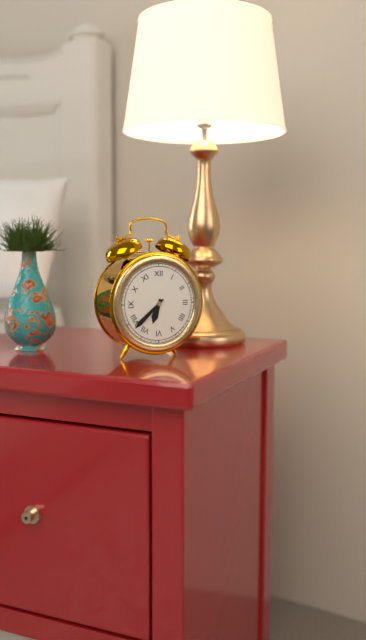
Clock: 6.38
